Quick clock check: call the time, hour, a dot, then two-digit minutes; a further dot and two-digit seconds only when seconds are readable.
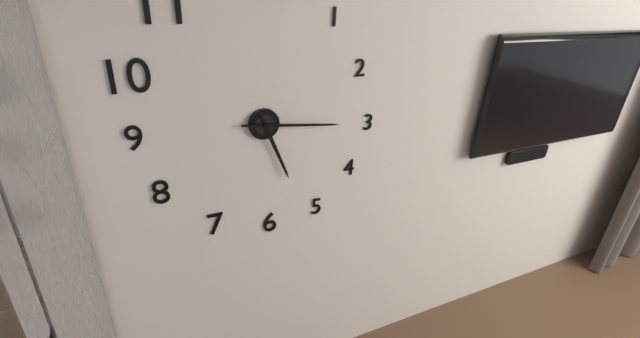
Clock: 5.16
